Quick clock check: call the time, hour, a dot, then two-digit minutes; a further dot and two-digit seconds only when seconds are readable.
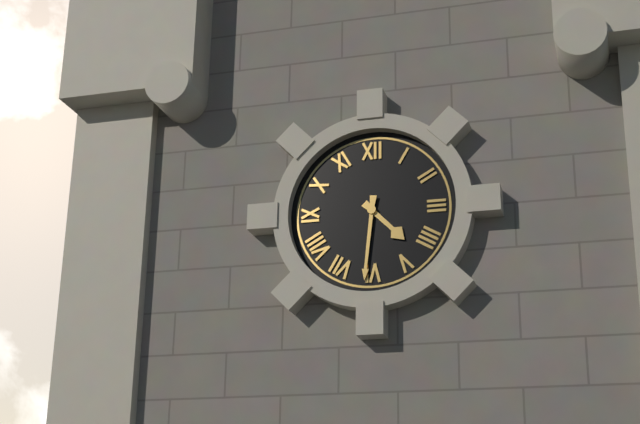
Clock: 4.31
